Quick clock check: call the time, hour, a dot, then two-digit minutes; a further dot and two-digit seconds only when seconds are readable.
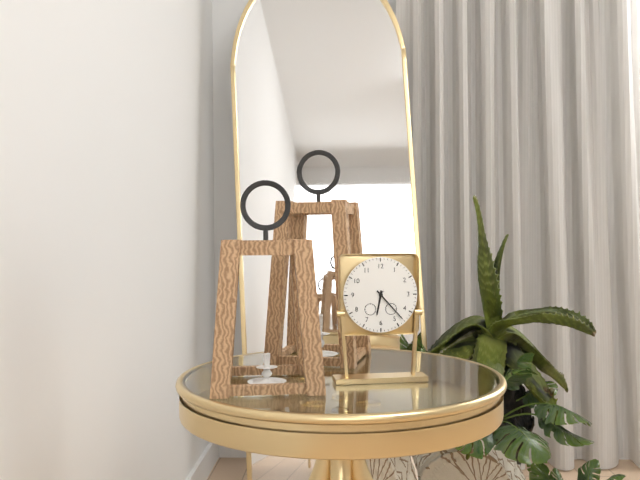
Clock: 6.23
